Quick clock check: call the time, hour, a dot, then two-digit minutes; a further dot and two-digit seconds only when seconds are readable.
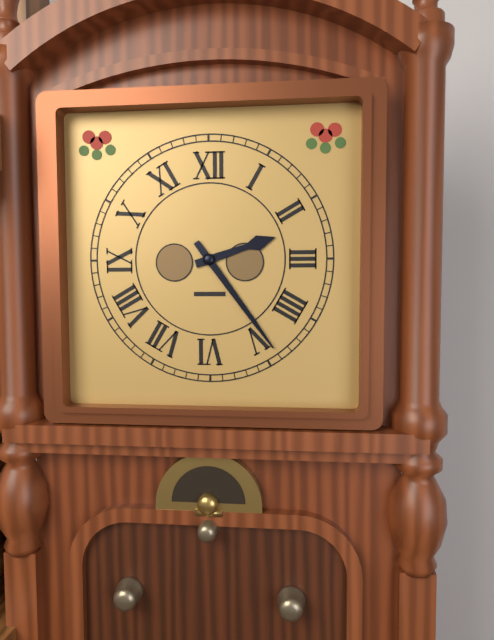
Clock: 2.24
